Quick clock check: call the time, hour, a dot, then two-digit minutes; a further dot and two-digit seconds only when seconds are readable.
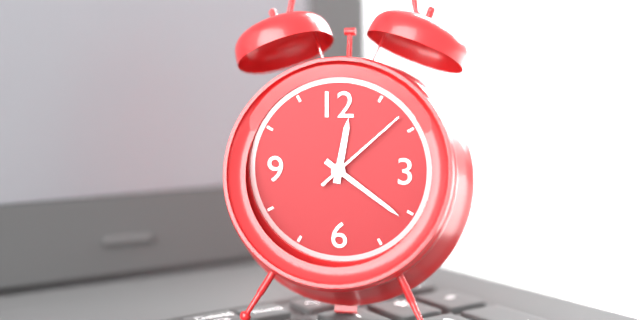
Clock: 12.21.08
